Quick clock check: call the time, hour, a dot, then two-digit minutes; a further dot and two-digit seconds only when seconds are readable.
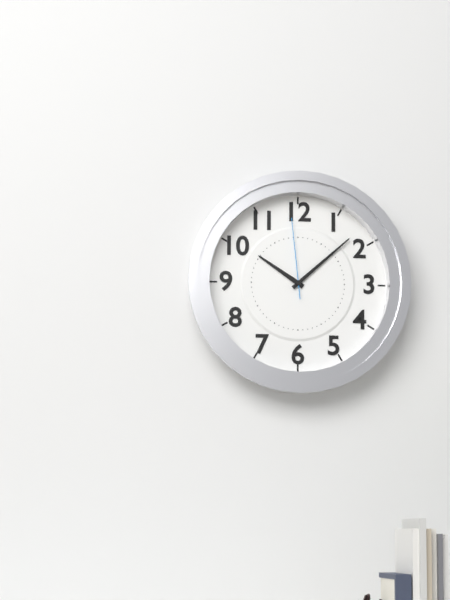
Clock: 10.08.59
